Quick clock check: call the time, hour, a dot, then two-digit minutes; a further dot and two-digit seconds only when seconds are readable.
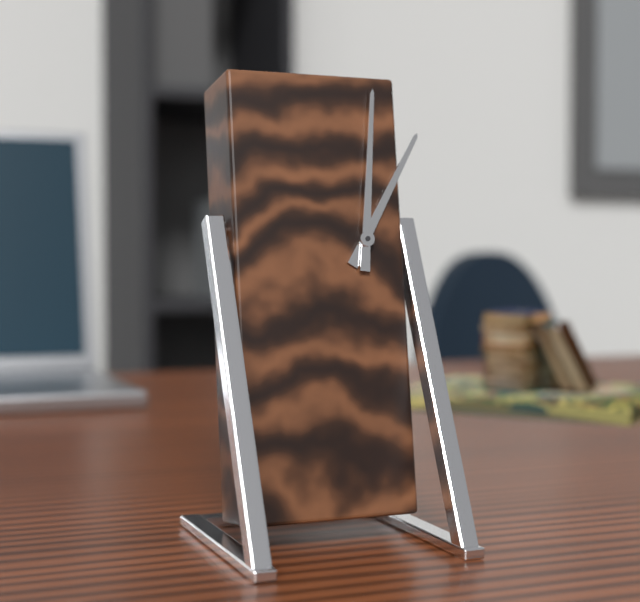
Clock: 1.01
